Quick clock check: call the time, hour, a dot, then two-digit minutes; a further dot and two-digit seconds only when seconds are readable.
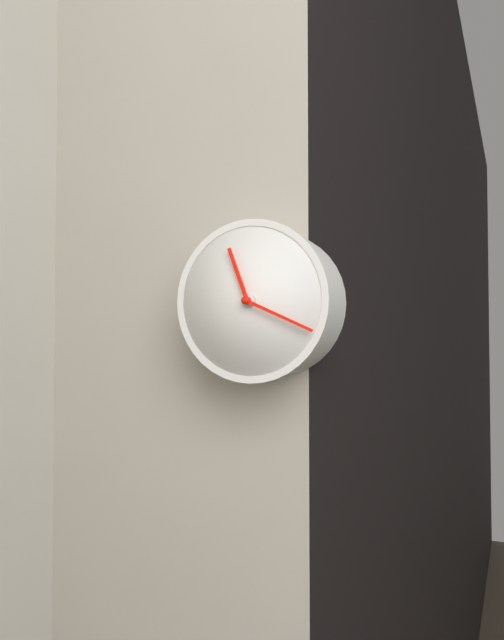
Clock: 11.19
